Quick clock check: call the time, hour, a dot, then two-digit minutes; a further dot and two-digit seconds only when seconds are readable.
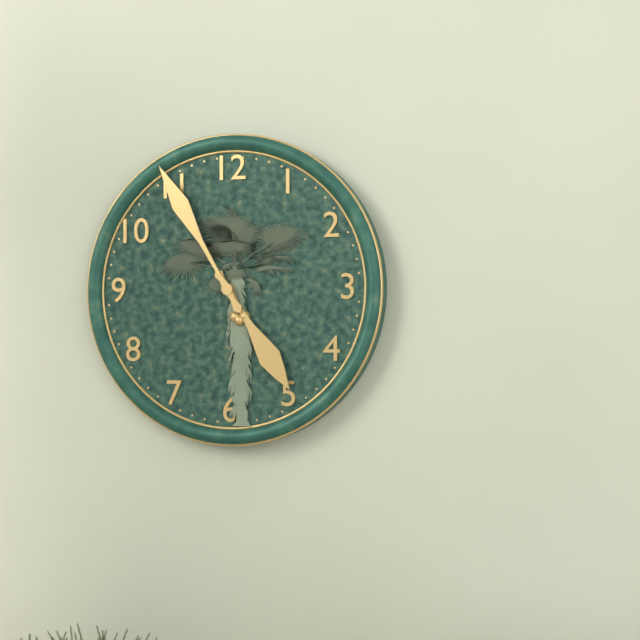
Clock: 4.55
